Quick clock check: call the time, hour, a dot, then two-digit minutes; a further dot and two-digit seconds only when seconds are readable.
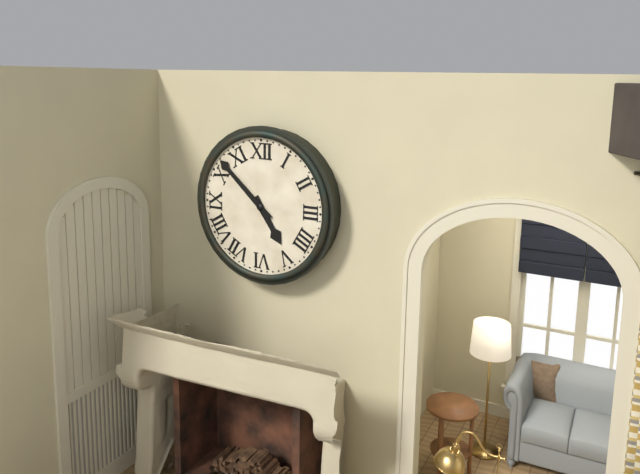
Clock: 4.52
